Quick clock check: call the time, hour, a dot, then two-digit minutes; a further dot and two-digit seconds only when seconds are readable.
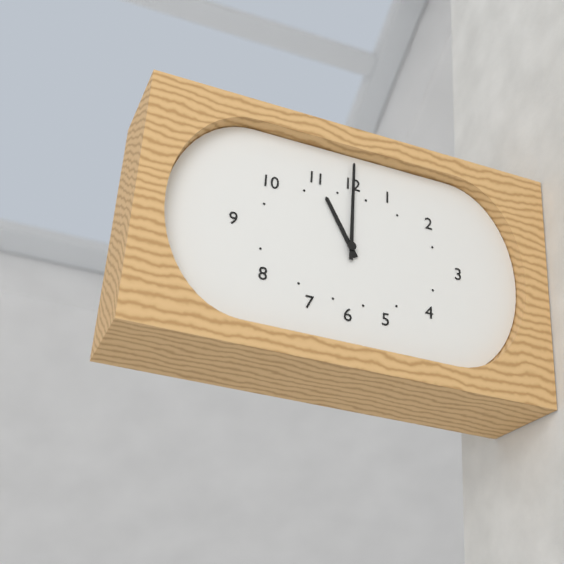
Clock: 11.00
